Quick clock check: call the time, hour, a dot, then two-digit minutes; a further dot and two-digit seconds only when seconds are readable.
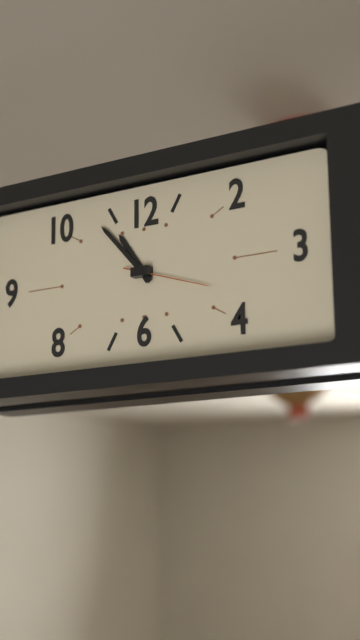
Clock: 10.53.18
